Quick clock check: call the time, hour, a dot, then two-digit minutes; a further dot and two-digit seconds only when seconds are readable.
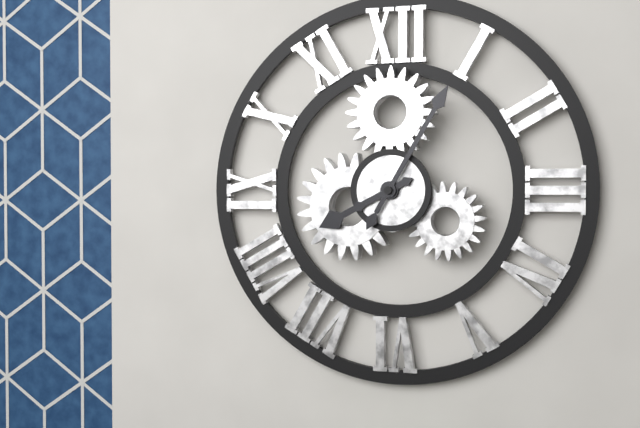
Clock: 8.05
